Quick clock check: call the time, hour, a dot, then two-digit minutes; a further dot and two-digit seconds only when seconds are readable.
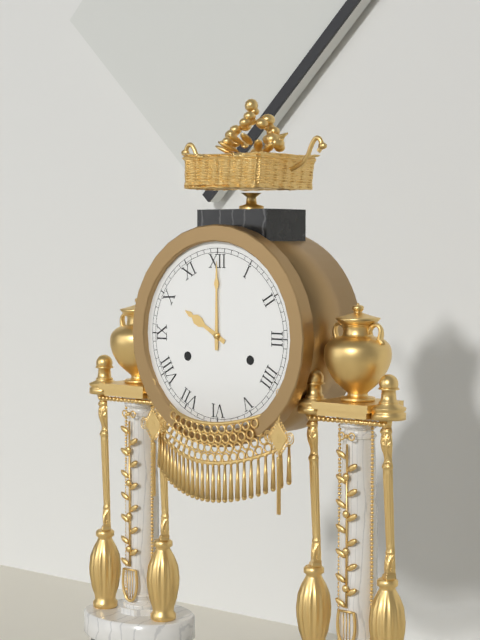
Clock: 10.00
